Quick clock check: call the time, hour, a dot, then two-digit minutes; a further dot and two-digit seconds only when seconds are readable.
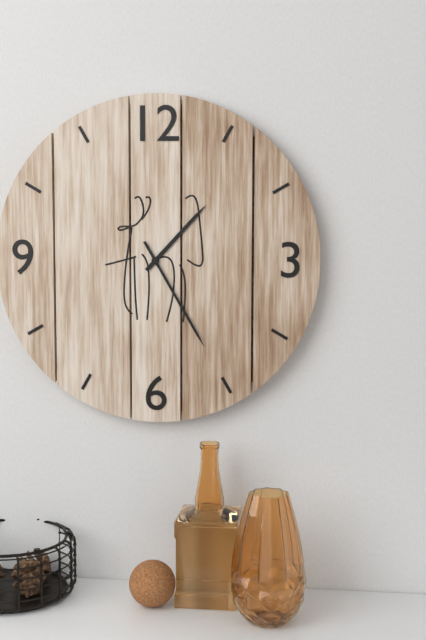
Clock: 1.25
